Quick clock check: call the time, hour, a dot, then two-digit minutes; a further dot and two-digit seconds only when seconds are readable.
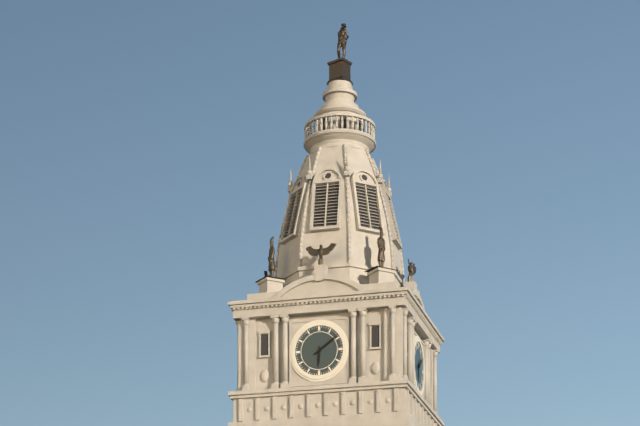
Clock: 6.09
